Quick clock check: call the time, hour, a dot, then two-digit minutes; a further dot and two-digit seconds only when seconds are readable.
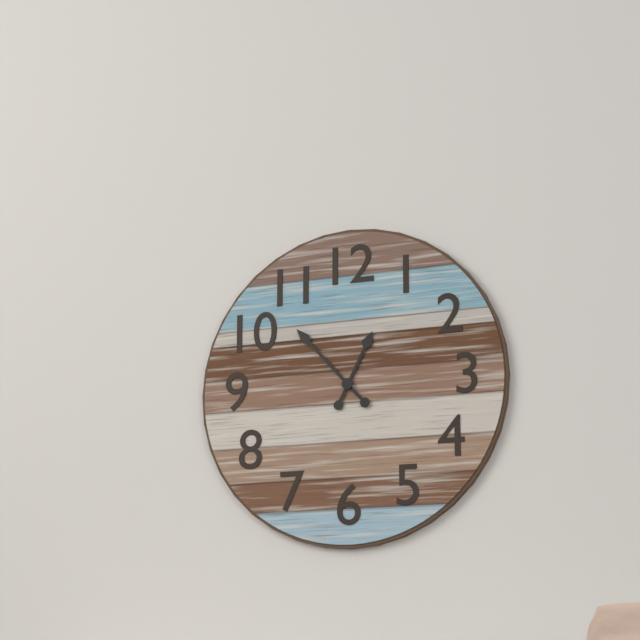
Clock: 12.53
